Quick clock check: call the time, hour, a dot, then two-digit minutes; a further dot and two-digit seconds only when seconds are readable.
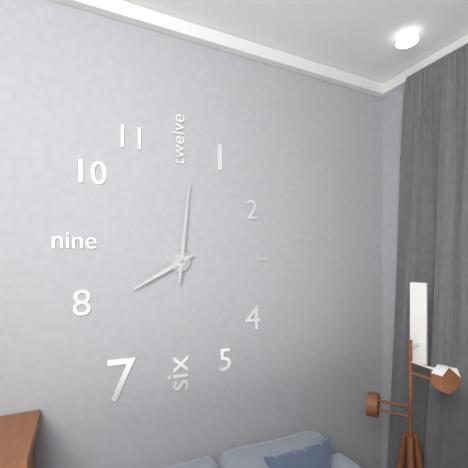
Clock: 8.01
